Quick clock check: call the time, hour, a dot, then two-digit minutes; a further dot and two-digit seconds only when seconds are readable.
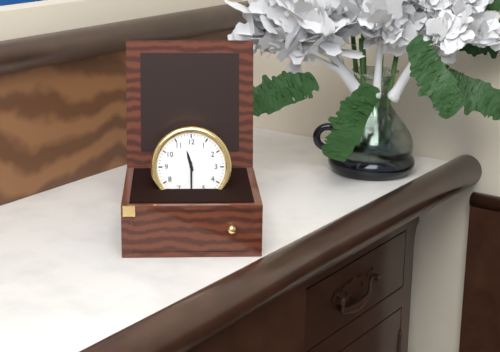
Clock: 11.30
